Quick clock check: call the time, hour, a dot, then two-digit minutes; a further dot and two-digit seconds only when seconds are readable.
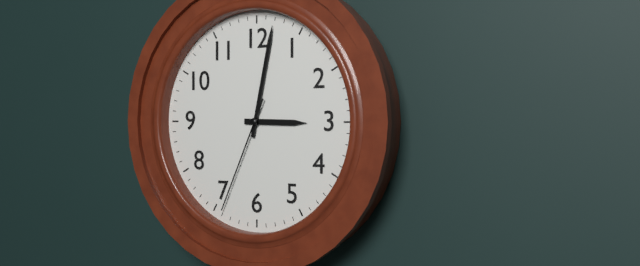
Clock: 3.02.34
